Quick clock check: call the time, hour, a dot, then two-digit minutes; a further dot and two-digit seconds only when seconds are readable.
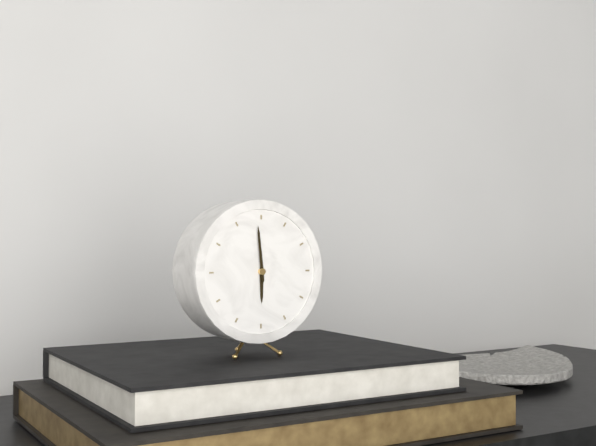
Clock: 5.59
